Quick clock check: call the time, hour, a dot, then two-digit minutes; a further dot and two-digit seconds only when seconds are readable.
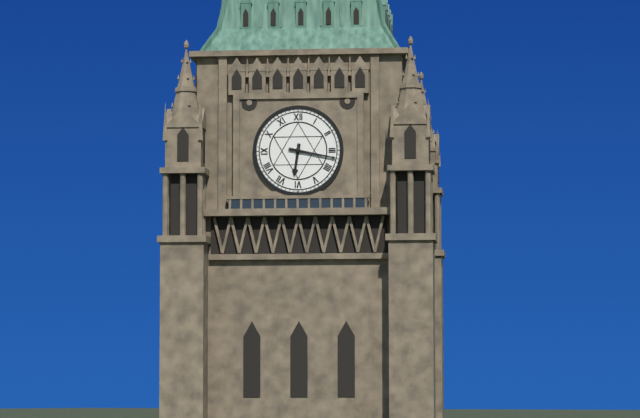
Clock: 6.17
